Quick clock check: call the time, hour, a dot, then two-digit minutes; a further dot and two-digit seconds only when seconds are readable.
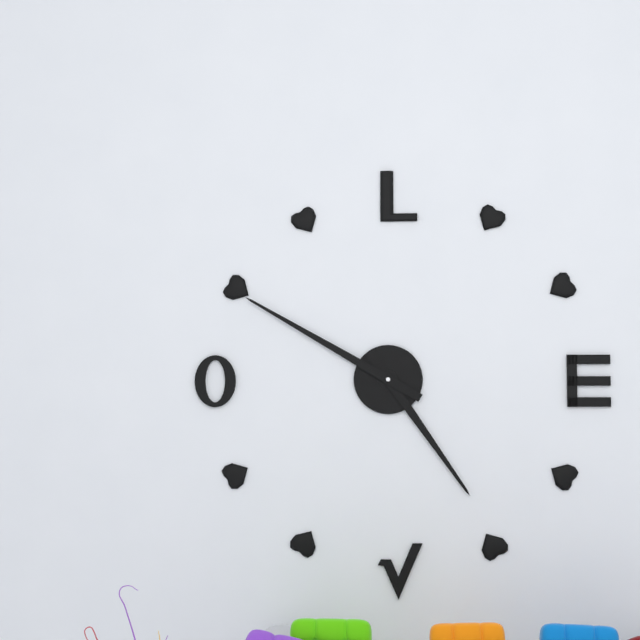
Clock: 4.50
